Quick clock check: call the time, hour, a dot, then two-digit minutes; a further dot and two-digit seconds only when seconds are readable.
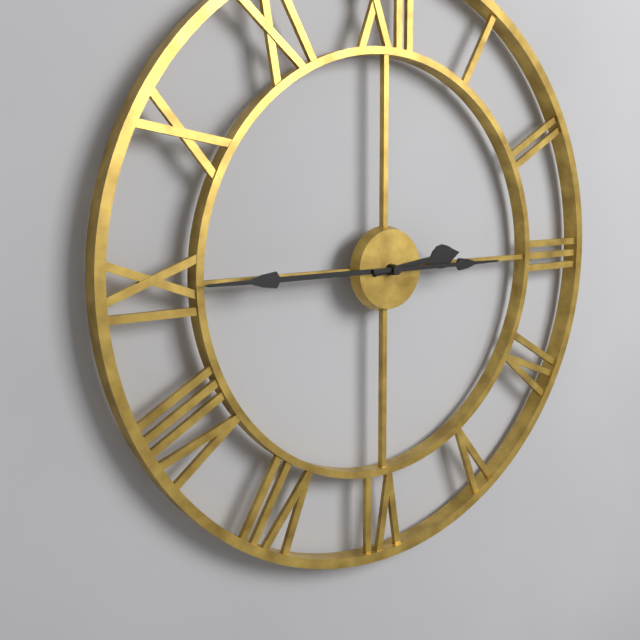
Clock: 2.45.15
